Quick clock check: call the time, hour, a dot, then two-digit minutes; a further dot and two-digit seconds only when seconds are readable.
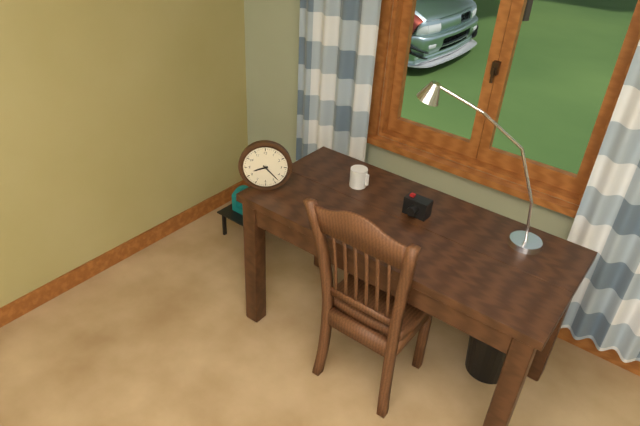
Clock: 8.23
